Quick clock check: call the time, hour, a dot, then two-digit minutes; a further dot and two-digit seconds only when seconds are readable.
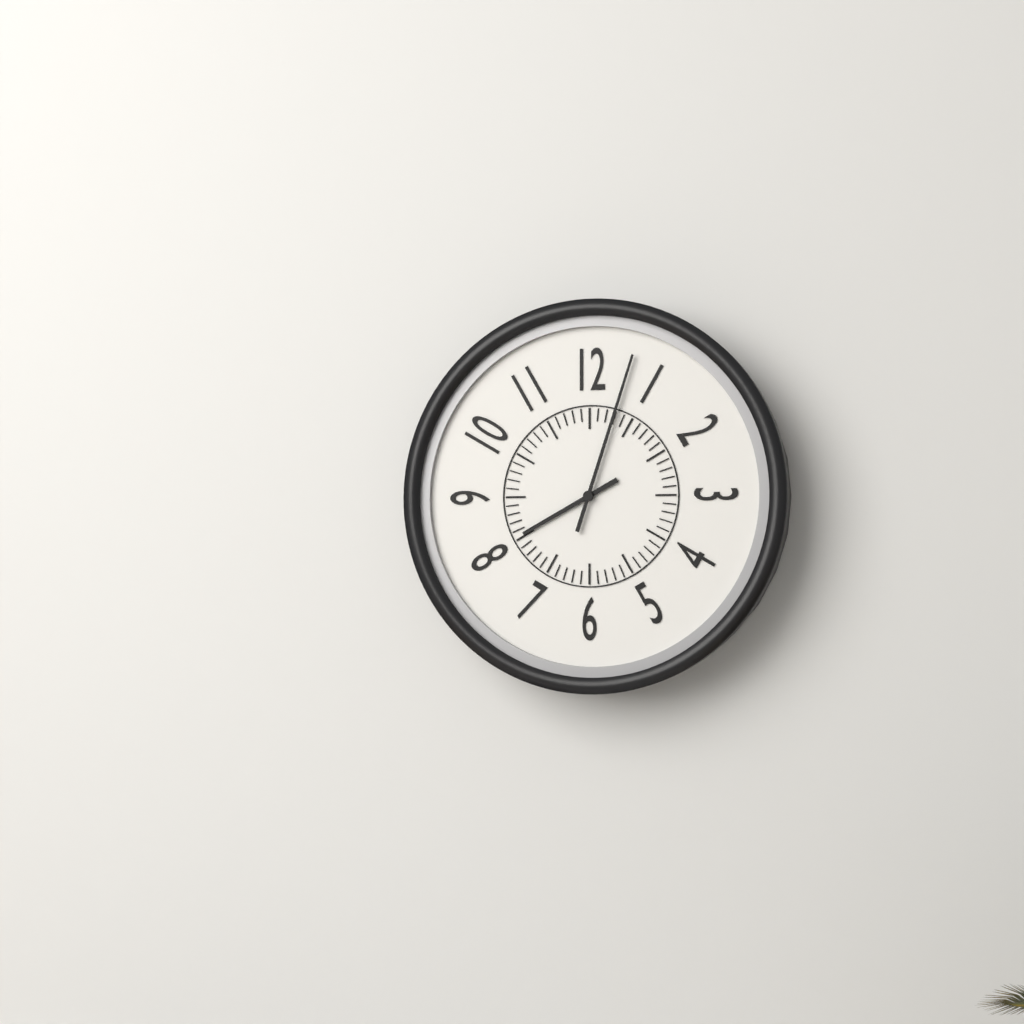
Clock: 8.03
